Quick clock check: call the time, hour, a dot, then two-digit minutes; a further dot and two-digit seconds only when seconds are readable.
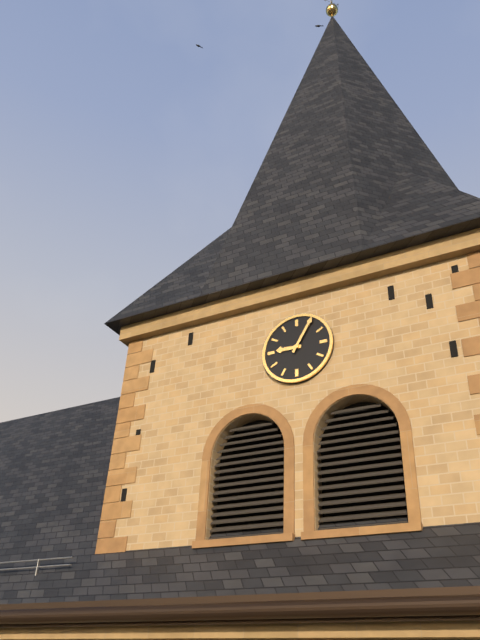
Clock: 9.05
